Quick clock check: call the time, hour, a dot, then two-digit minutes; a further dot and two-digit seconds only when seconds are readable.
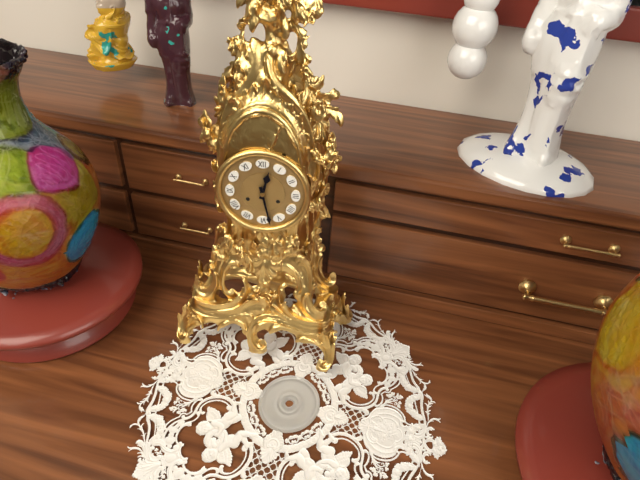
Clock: 12.28
